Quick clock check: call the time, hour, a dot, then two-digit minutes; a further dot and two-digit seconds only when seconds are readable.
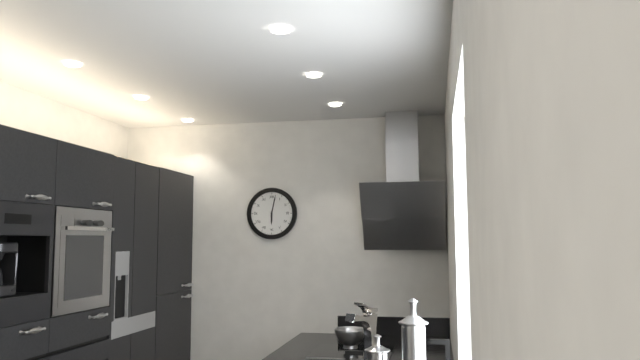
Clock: 6.02
